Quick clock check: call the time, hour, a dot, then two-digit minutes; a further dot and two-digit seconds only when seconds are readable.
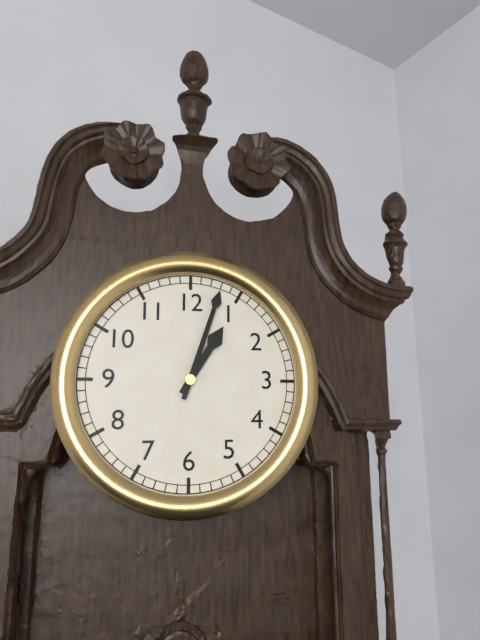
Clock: 1.03
